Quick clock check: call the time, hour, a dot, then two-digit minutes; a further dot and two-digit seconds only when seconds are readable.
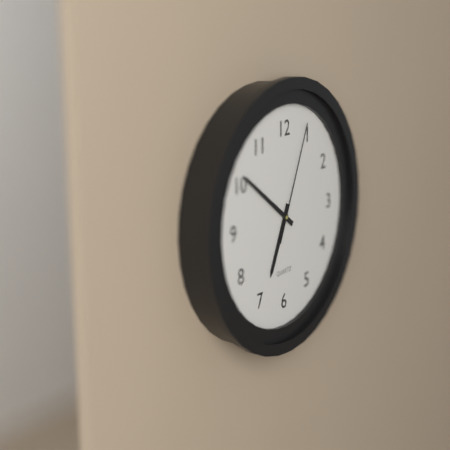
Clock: 6.51.04
